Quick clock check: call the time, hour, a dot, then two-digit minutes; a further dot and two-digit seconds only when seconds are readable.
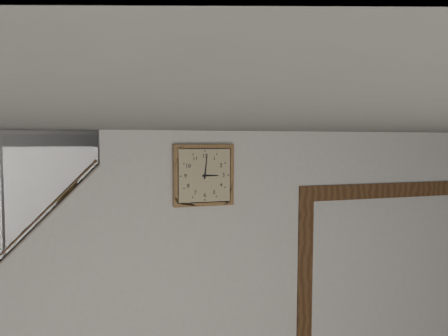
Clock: 3.01
